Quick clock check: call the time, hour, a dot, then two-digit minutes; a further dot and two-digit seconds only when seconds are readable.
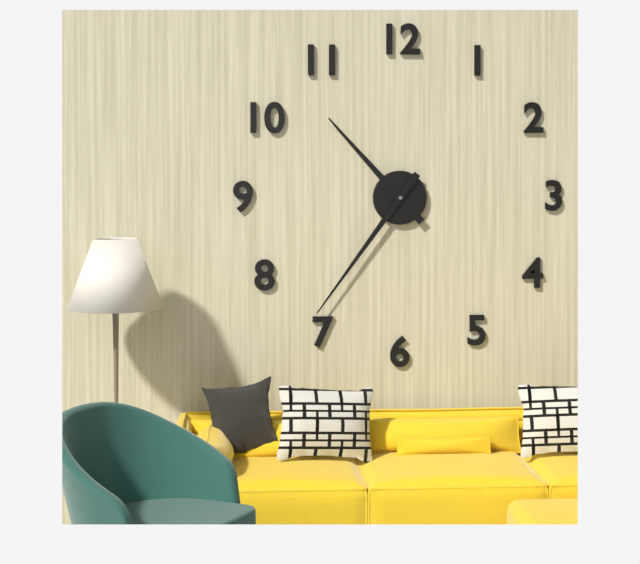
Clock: 10.36
